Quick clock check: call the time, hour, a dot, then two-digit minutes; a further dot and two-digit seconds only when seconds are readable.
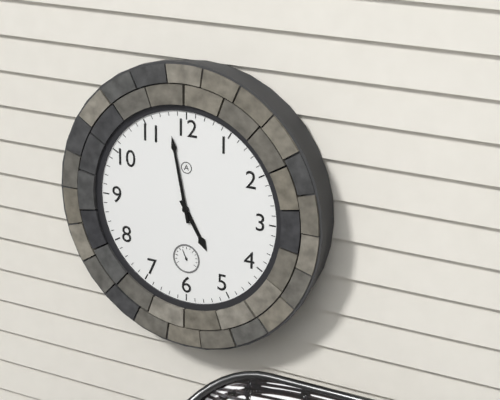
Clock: 4.58
